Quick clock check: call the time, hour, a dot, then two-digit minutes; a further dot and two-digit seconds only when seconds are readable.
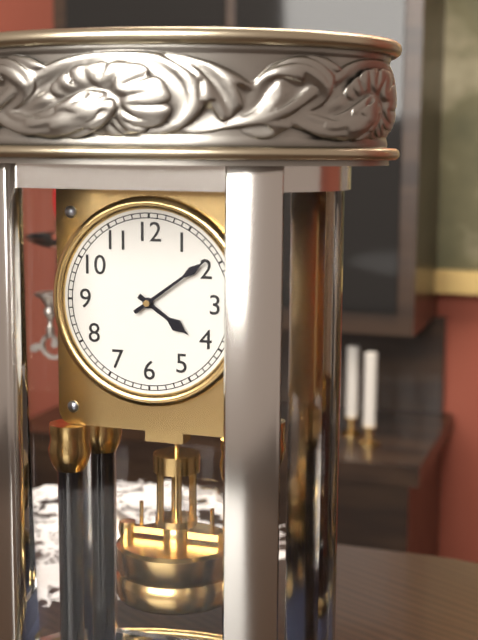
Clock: 4.09
